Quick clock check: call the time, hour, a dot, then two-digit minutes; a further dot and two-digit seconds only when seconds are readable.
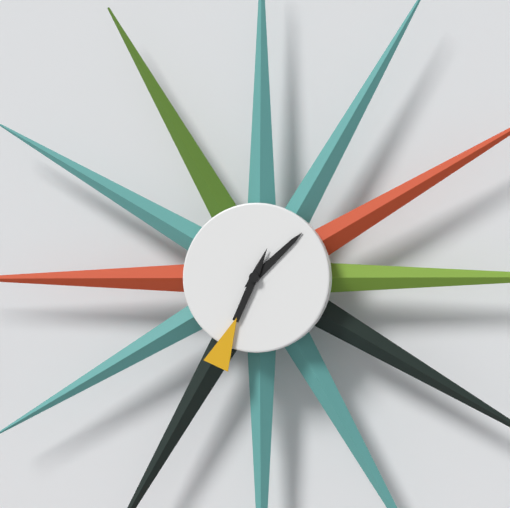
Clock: 1.34
